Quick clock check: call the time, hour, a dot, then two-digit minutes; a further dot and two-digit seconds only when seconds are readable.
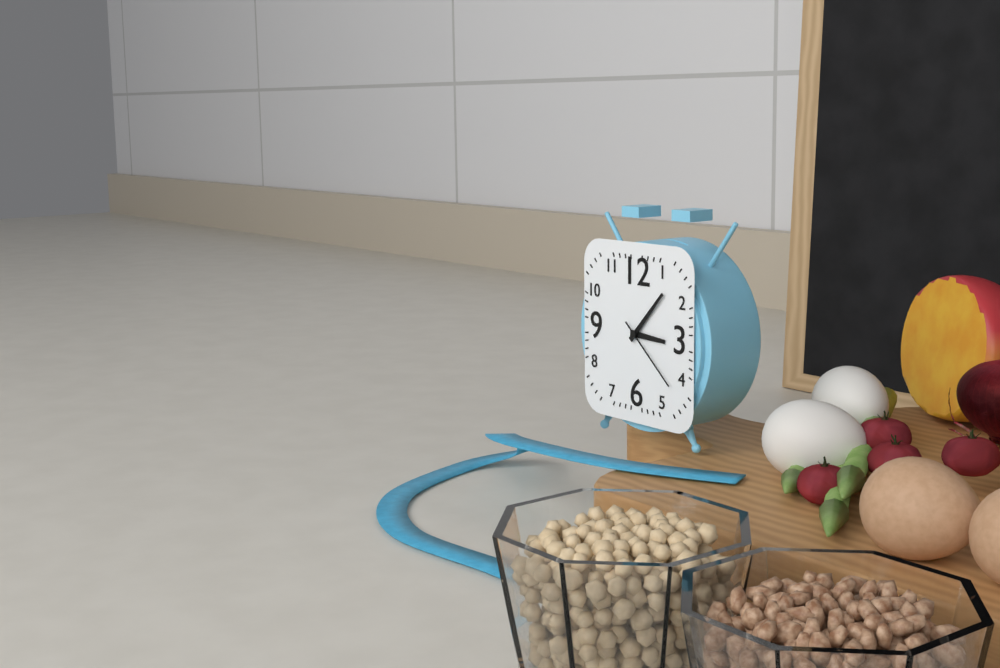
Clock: 3.07.22
